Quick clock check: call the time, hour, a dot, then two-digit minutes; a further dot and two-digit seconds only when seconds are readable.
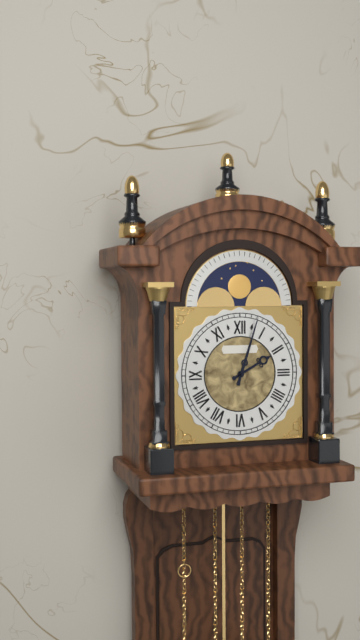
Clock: 2.03
